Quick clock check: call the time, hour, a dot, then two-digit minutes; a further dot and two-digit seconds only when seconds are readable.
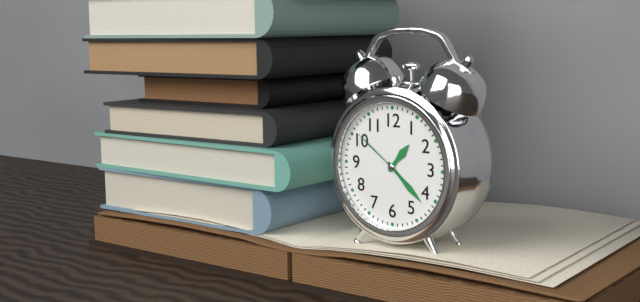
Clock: 1.22.51
